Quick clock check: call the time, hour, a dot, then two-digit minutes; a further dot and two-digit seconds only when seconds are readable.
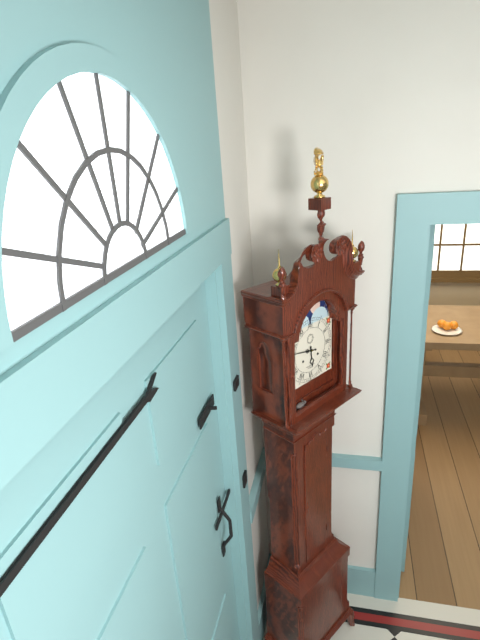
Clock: 5.47
